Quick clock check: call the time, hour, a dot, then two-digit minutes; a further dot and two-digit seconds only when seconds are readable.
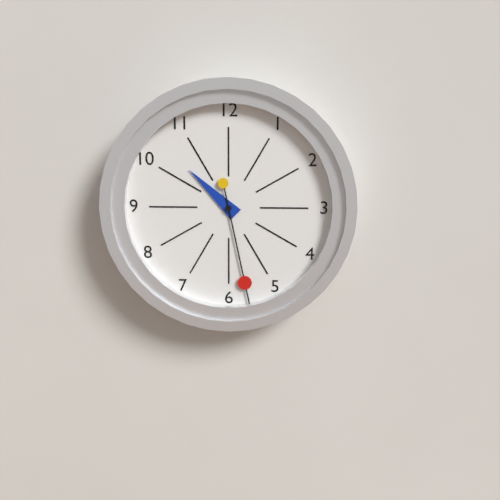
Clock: 10.28
